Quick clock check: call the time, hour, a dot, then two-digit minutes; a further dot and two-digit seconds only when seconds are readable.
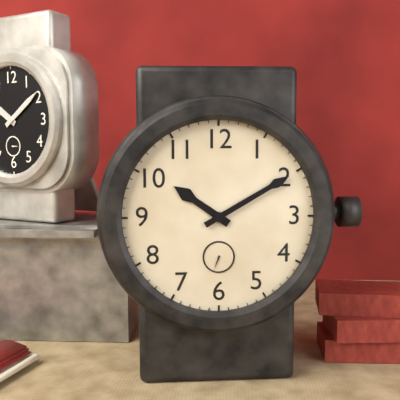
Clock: 10.10
